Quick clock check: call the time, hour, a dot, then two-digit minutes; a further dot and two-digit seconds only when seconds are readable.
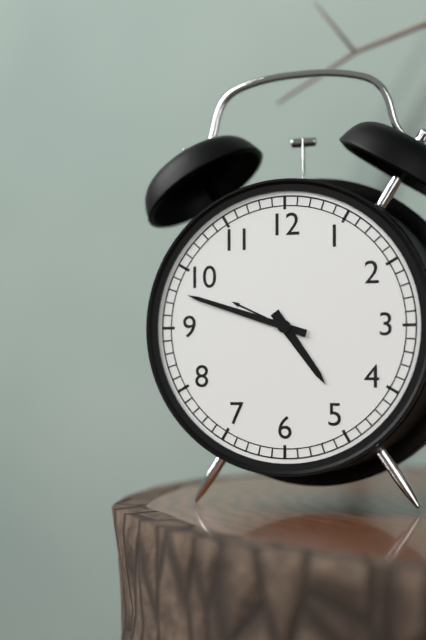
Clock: 4.48
